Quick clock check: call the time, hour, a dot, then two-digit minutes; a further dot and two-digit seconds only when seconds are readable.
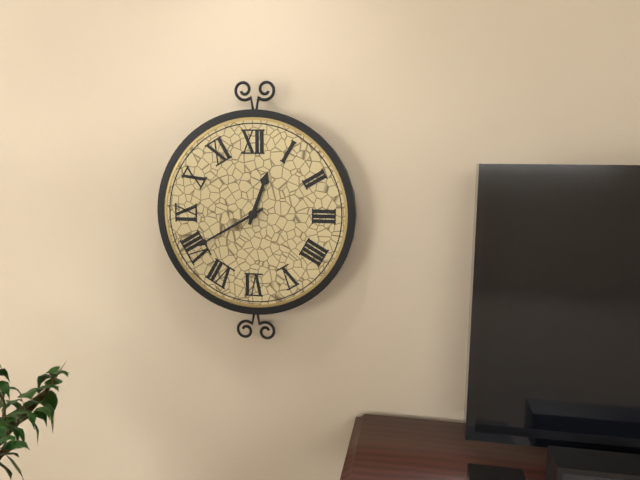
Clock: 12.40
